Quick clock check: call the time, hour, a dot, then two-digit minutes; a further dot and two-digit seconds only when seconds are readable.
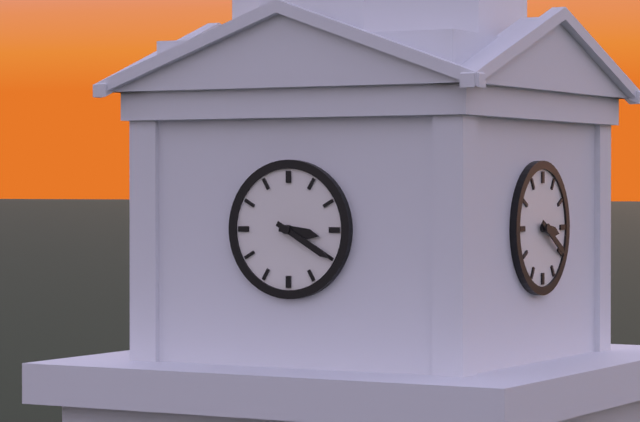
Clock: 3.20
